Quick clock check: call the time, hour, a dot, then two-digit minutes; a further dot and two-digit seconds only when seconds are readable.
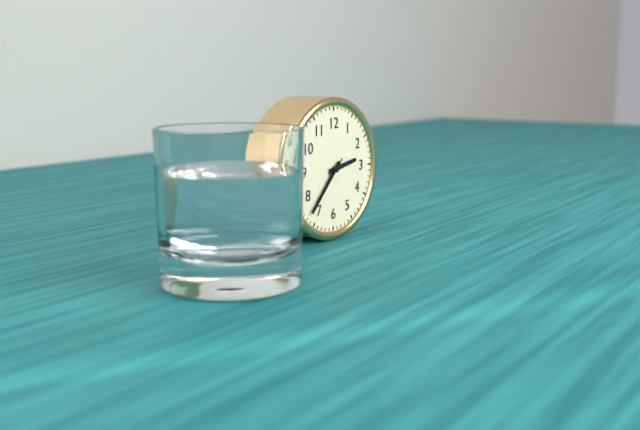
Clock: 2.37.37
